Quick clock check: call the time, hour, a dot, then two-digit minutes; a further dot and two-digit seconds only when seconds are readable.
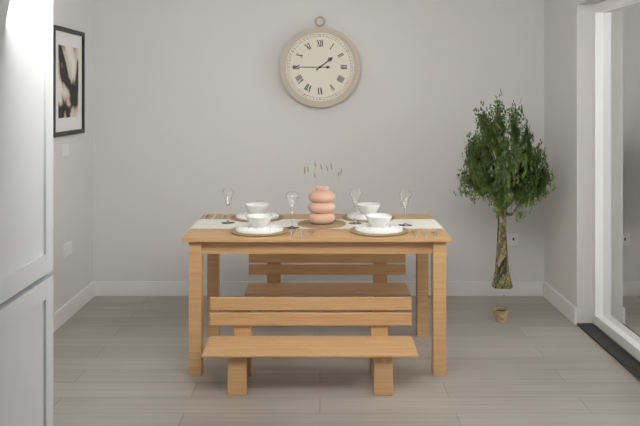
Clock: 1.45
